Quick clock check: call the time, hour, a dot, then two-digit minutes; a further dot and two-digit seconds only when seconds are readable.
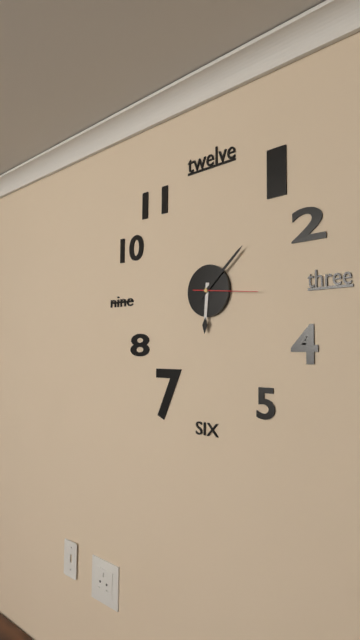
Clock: 6.08.16
